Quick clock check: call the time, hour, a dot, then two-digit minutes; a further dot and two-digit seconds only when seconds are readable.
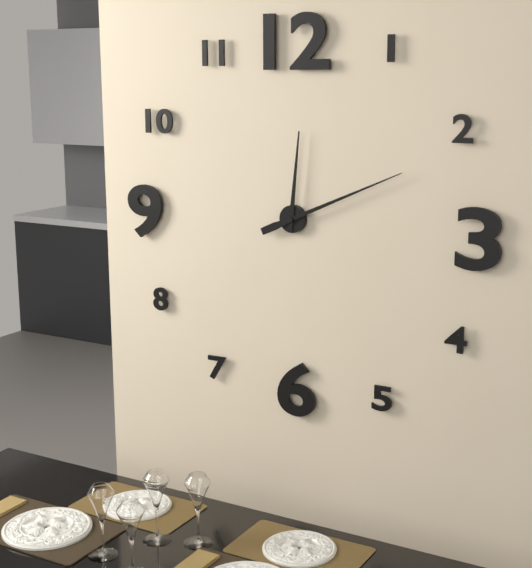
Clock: 12.11
